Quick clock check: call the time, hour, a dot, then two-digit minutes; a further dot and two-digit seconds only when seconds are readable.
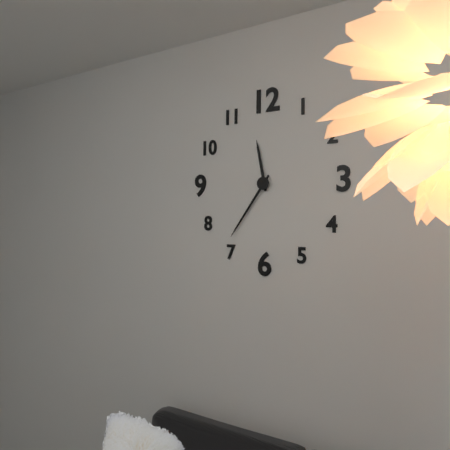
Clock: 11.36
